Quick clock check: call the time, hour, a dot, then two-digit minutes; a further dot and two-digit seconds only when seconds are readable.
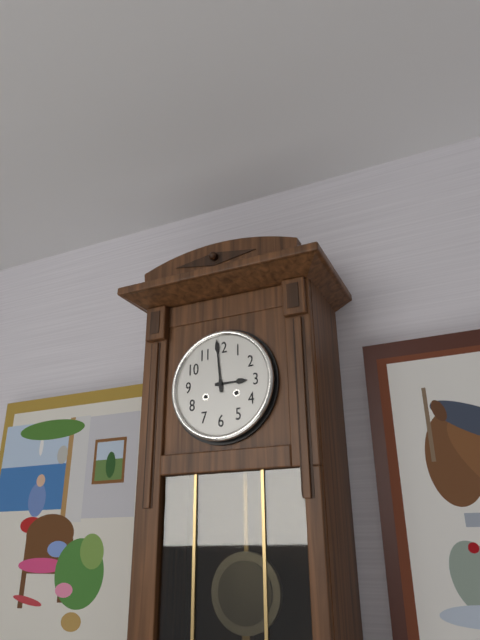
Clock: 2.59
